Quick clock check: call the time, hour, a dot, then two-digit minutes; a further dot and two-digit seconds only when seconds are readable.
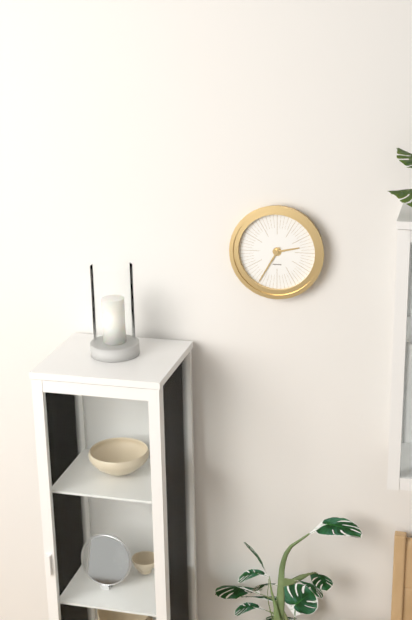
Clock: 2.35
